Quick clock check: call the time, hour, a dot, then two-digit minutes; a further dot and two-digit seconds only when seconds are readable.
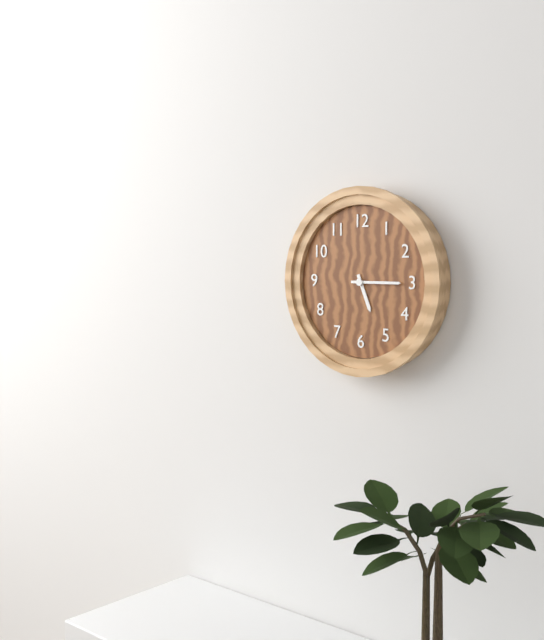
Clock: 5.15
